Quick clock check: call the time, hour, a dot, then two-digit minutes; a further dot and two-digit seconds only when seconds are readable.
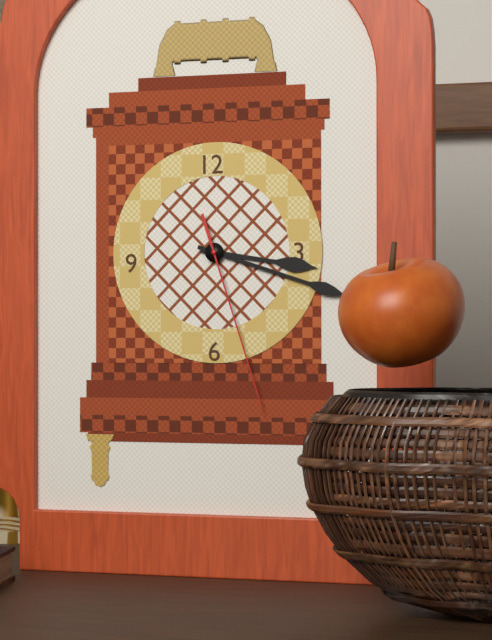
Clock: 3.18.27
